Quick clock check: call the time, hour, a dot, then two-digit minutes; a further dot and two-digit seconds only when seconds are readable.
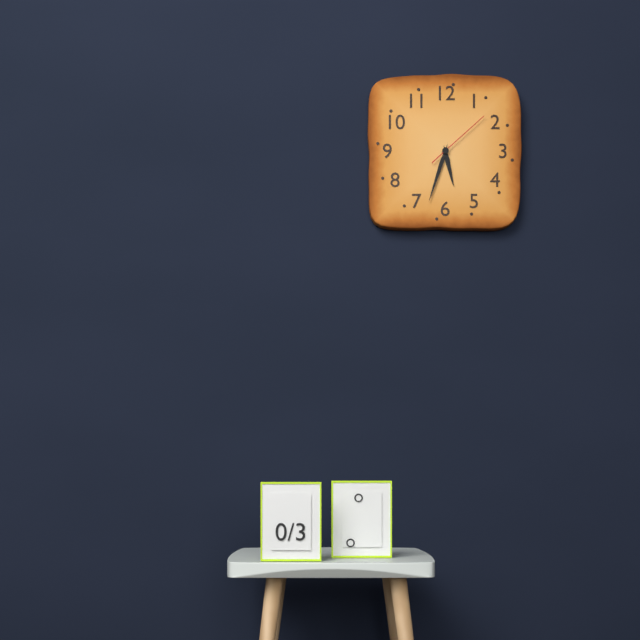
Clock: 5.33.08
